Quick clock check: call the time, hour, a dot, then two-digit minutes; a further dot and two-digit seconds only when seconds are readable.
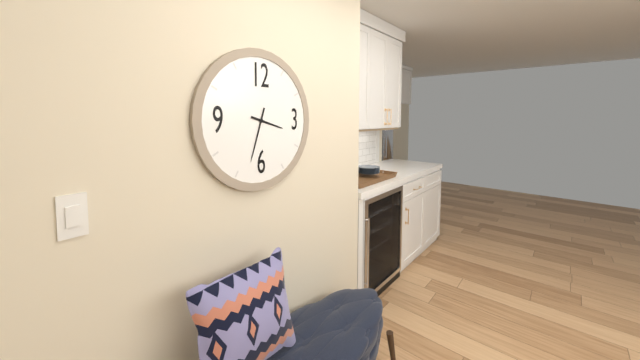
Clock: 3.33
